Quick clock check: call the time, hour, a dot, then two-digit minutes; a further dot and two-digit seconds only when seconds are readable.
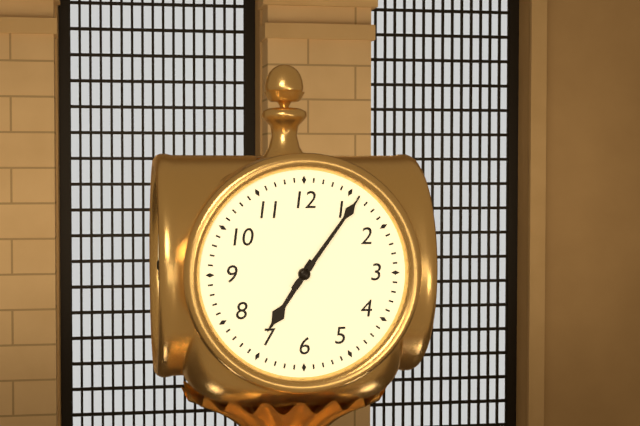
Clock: 7.06
